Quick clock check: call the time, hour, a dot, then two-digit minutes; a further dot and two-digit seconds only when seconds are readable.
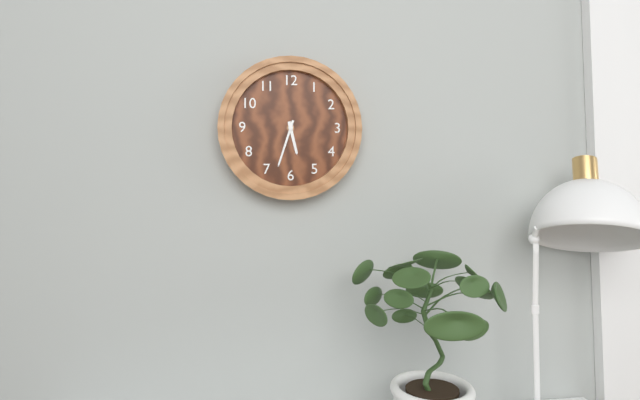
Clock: 5.33
